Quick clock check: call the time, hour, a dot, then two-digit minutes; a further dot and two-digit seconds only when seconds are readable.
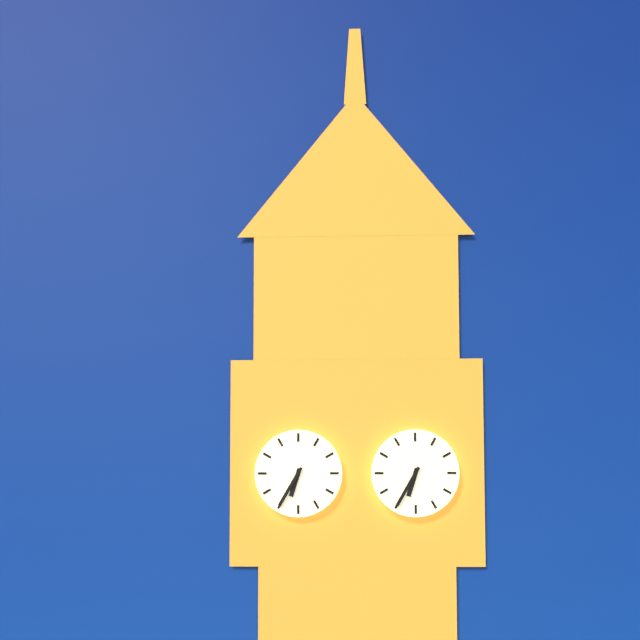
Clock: 6.35
